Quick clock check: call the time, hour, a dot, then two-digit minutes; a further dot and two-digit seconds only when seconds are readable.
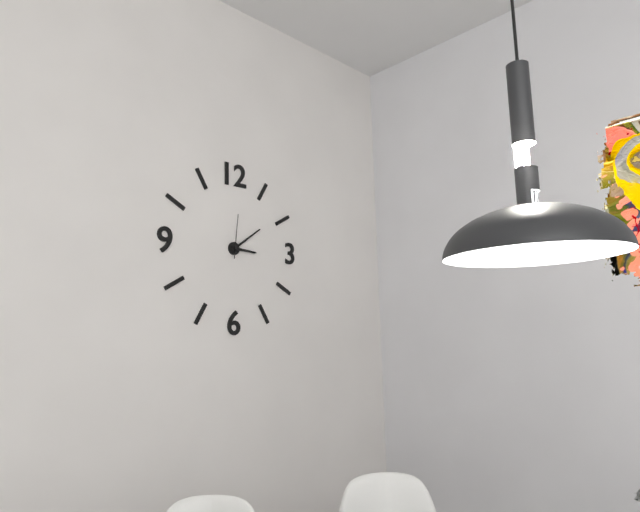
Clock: 3.09
